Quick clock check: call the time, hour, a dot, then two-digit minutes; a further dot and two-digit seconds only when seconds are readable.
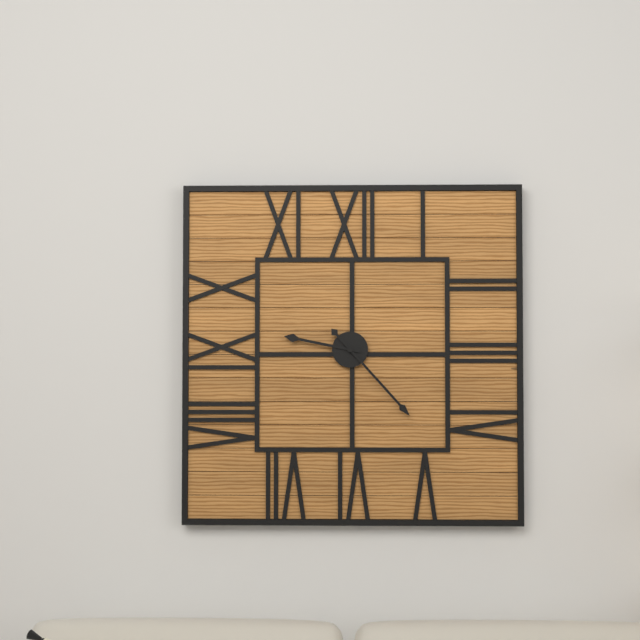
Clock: 9.23
